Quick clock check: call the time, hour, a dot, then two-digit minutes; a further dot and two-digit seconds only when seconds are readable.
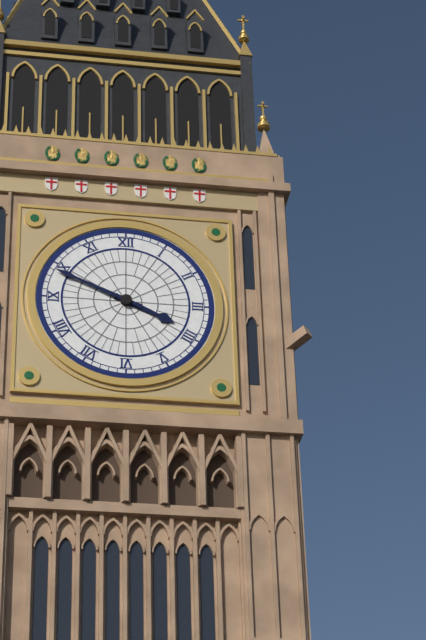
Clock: 3.49
